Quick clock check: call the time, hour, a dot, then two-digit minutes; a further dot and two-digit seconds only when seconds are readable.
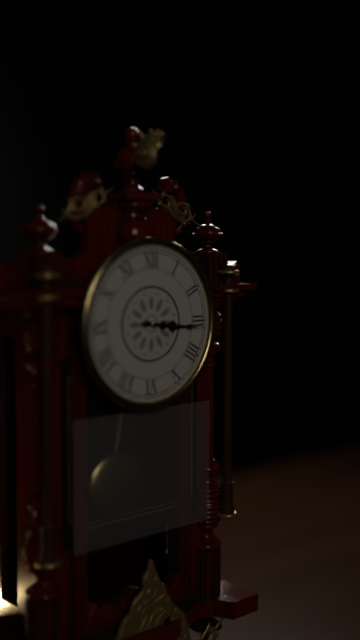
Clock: 3.16.16
